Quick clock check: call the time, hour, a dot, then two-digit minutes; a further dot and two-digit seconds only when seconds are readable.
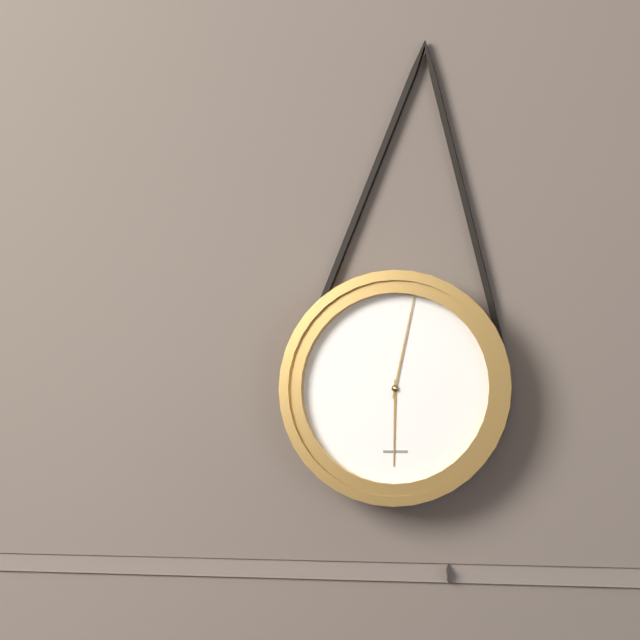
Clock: 6.02
